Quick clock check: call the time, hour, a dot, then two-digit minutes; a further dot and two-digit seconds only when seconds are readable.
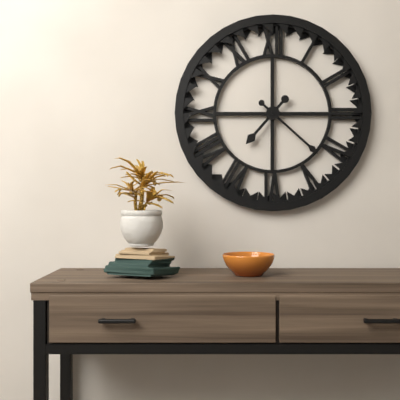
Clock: 7.22
